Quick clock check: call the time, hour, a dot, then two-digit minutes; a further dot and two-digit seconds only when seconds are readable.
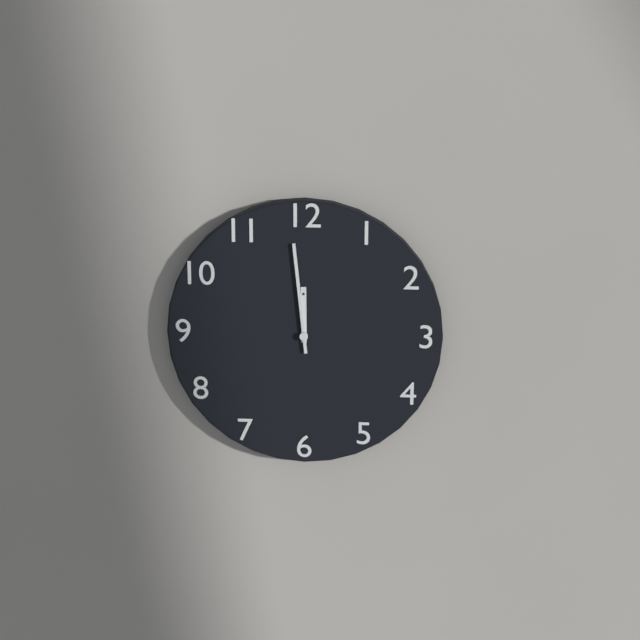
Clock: 11.59
